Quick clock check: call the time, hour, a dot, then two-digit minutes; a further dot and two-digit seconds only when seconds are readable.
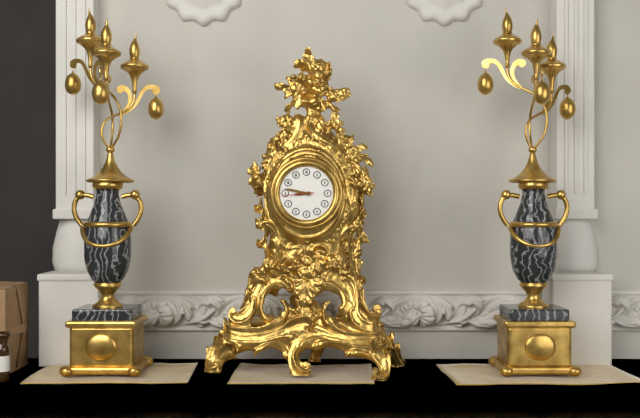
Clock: 8.47
